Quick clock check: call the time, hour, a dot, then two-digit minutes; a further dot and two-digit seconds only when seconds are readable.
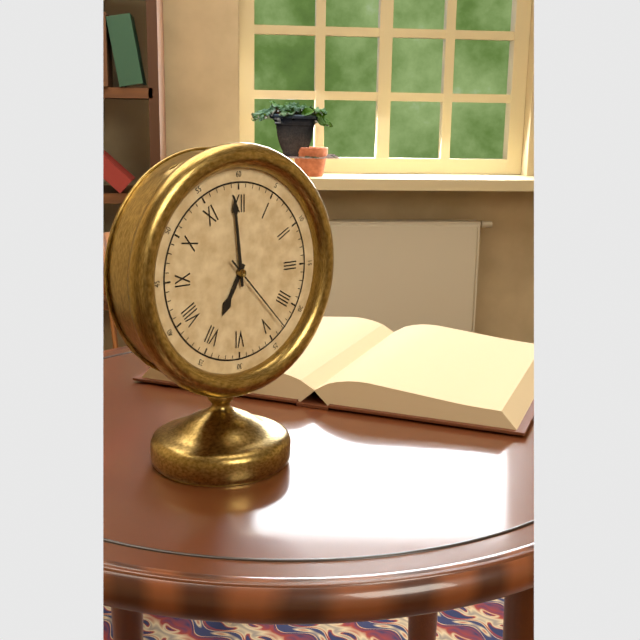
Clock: 6.59.23
